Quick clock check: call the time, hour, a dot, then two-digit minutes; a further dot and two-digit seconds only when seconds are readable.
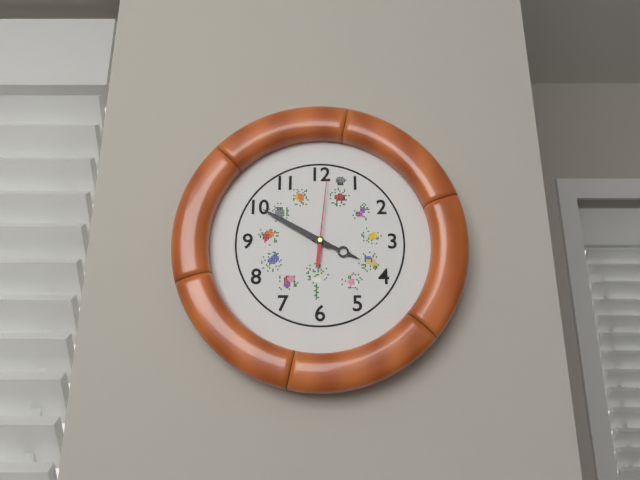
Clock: 3.50.01
